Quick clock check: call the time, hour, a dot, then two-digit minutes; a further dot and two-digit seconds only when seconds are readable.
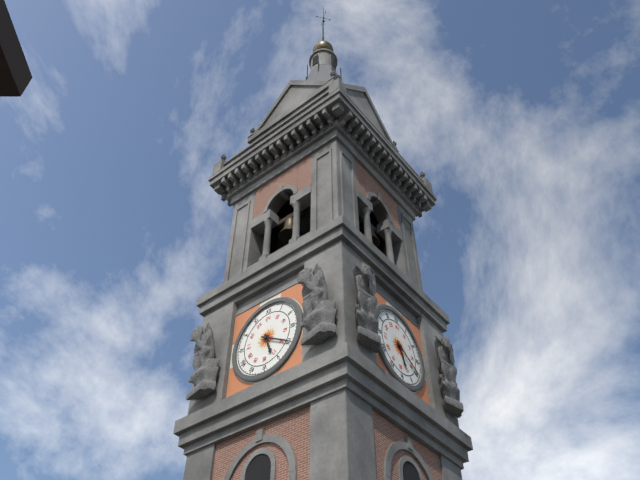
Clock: 5.20
